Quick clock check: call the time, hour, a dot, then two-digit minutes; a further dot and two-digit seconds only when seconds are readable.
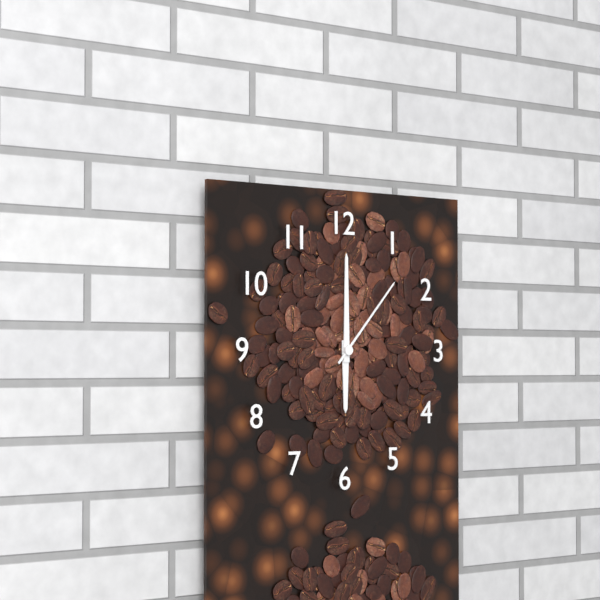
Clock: 6.00.07
